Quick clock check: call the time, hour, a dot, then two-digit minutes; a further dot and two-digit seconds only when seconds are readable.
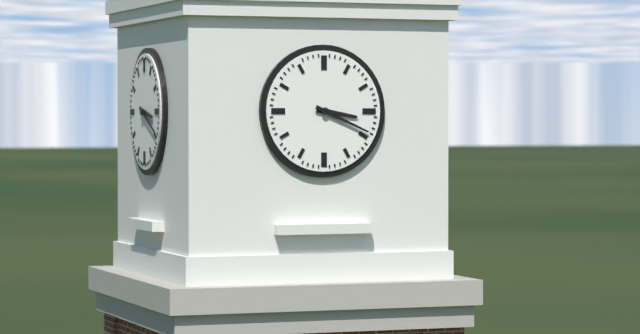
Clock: 3.19
